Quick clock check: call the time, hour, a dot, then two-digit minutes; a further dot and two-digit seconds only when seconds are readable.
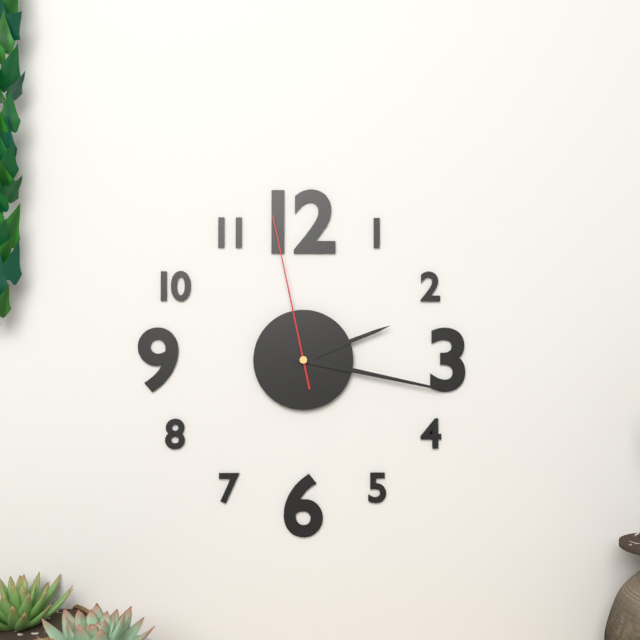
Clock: 2.17.58
